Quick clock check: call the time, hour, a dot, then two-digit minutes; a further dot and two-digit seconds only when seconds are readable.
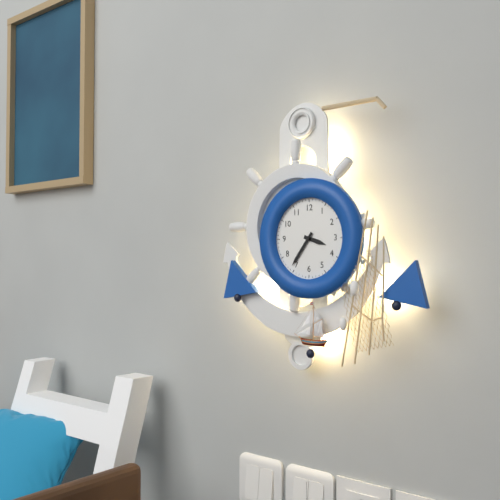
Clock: 3.36
